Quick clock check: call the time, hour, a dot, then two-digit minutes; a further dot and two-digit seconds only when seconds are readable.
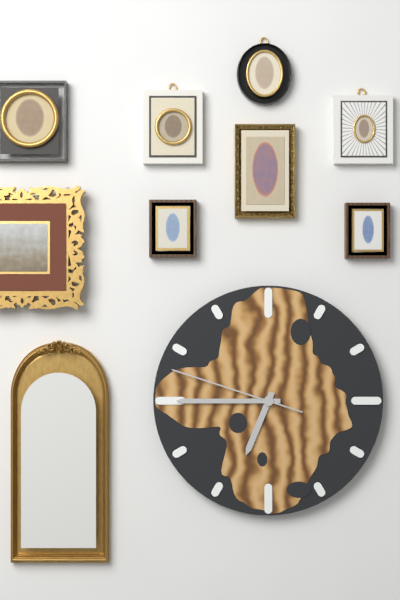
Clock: 6.45.48
